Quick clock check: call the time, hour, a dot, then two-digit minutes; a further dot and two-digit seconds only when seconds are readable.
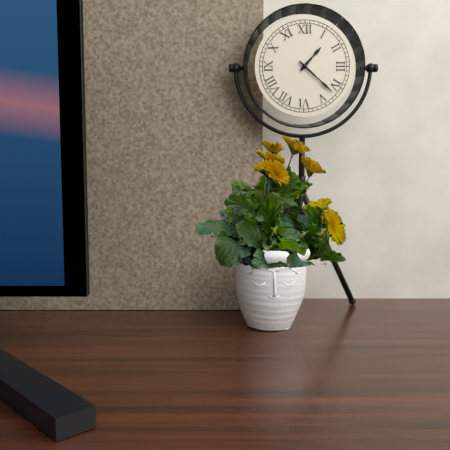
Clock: 1.22
